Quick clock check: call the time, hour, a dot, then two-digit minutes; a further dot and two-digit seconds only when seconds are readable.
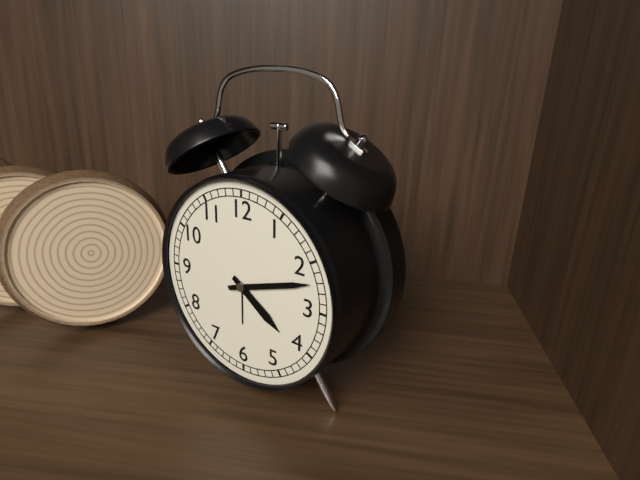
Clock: 4.12
